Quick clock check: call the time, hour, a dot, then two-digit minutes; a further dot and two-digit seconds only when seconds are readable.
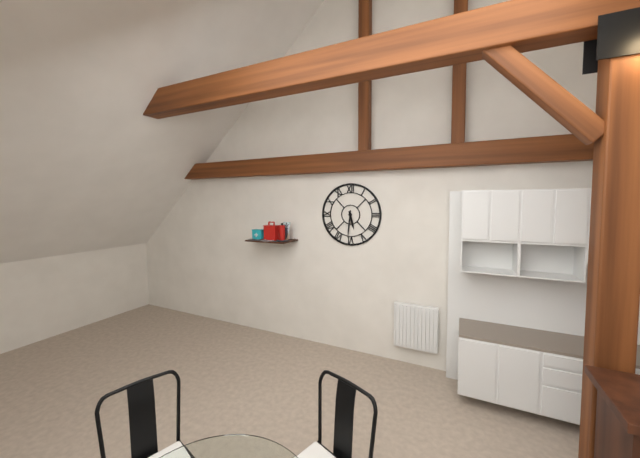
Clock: 5.31
